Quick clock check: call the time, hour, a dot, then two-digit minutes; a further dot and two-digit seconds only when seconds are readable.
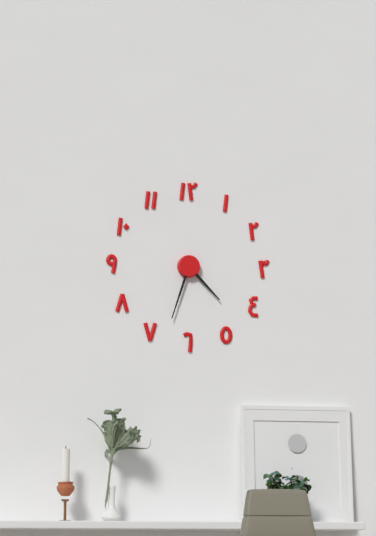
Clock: 4.33
